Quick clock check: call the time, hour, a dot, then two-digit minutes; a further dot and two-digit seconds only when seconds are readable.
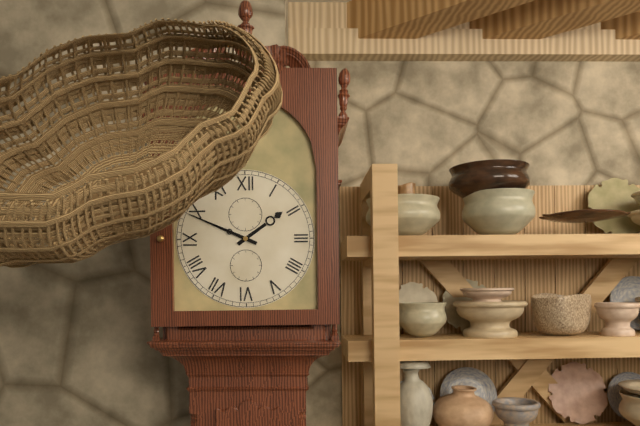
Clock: 1.49
